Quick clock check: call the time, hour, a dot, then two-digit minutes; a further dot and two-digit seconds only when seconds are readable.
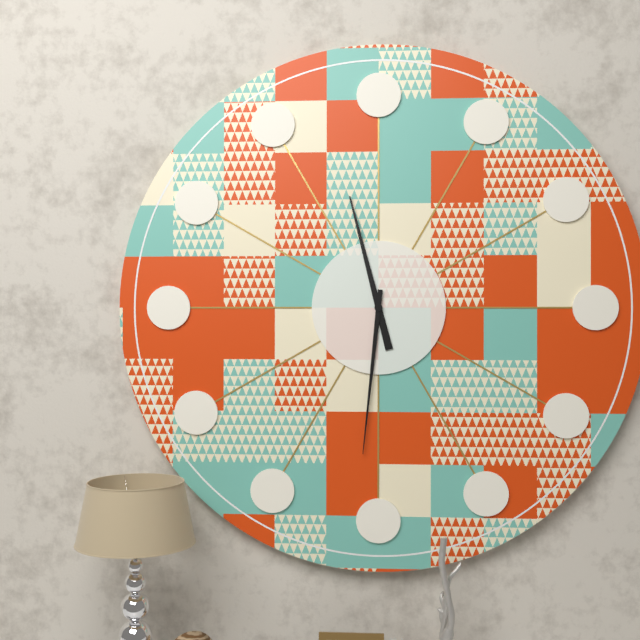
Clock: 11.31
